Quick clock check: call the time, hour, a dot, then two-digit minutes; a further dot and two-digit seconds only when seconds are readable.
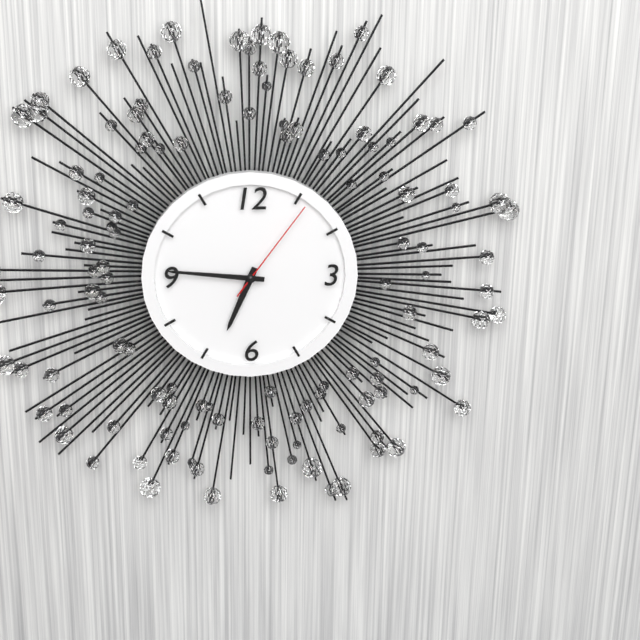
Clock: 6.46.06
